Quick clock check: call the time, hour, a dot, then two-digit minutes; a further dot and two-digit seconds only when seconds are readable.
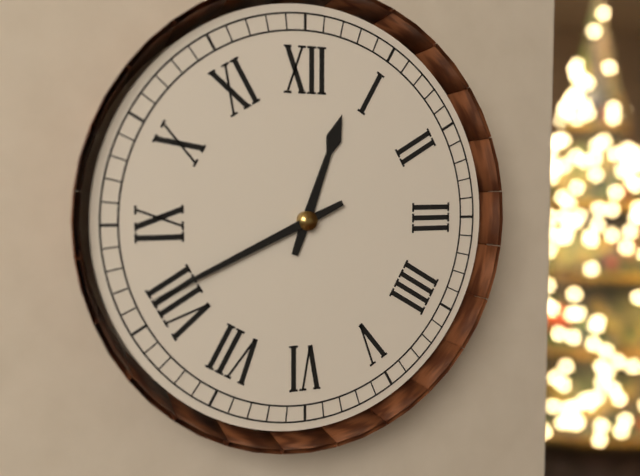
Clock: 12.41
